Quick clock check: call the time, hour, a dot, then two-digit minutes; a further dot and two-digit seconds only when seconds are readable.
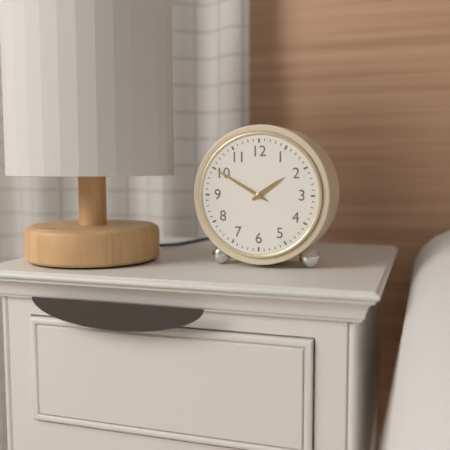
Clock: 1.50
